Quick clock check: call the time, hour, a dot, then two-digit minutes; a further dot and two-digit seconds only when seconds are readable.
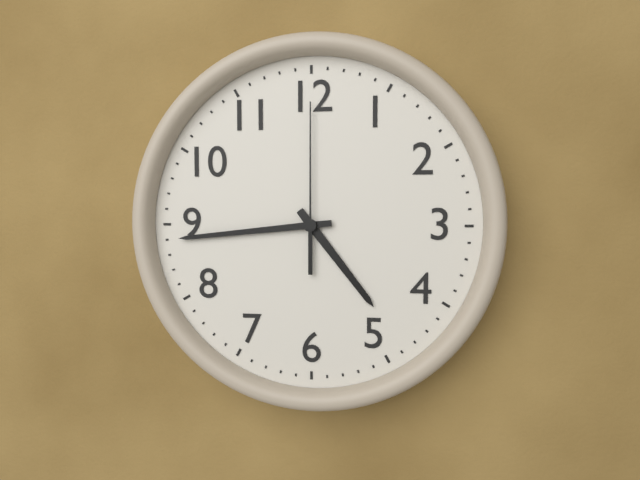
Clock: 4.44.00
